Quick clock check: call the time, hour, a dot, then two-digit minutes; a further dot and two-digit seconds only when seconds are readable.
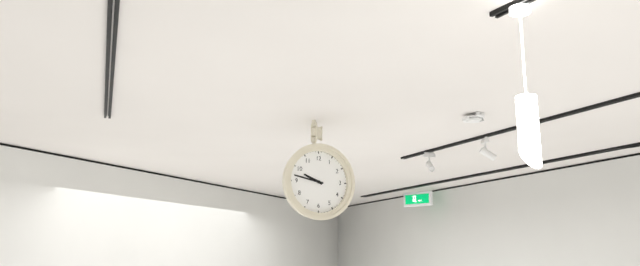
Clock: 9.47
